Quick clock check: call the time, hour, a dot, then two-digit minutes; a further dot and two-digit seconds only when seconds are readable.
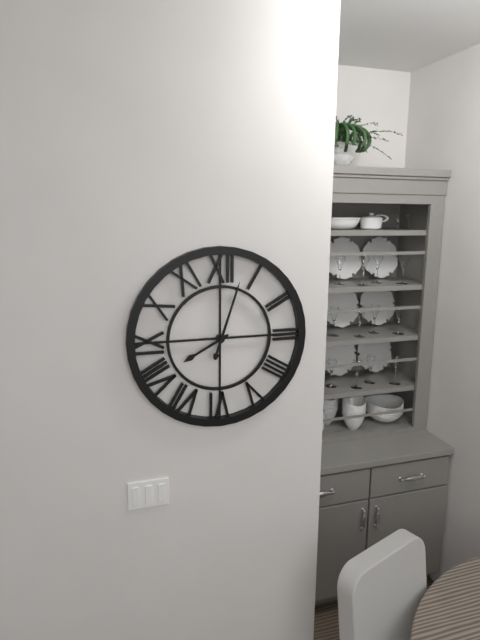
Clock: 8.03
